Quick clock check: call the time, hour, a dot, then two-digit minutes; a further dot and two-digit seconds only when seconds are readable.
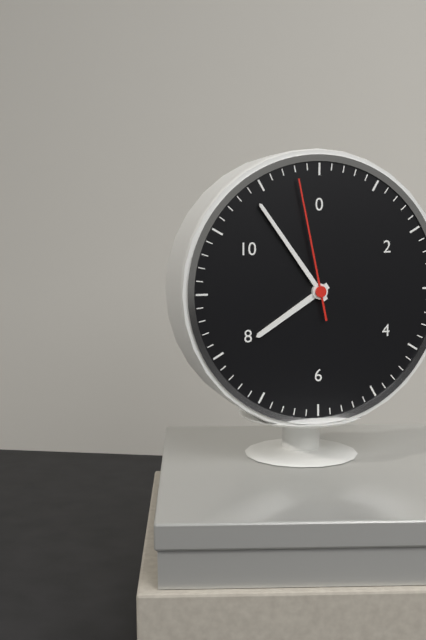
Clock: 7.54.58
